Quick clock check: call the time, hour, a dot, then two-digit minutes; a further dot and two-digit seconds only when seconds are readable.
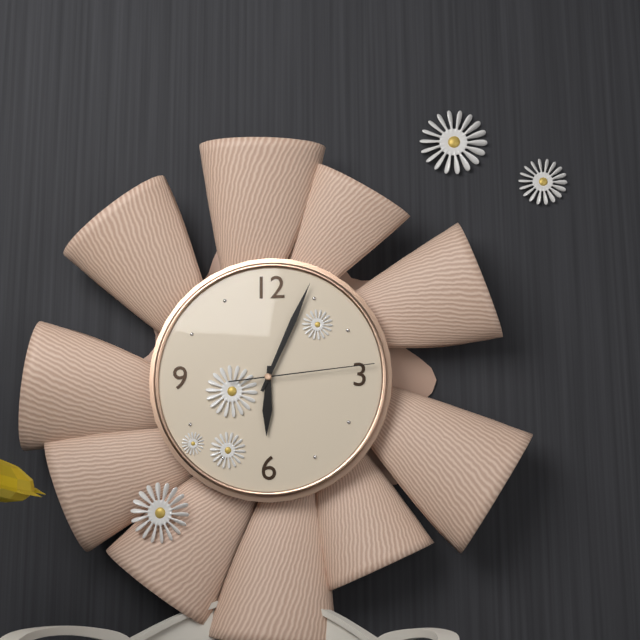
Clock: 6.04.14
